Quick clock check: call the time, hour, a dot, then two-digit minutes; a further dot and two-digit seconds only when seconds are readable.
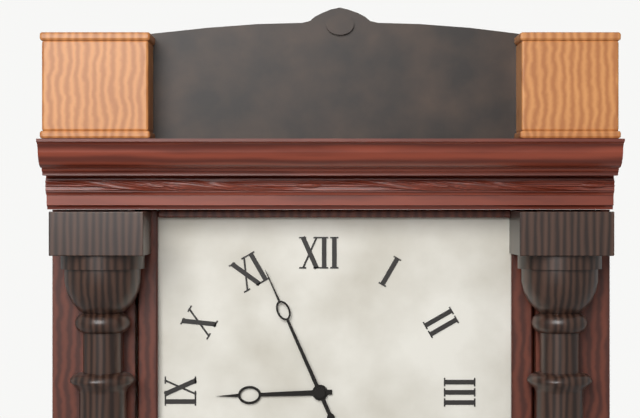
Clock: 8.56
